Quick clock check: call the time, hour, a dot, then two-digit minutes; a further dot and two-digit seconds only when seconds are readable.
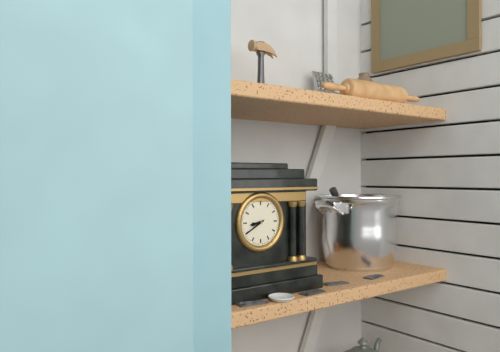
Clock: 8.40
